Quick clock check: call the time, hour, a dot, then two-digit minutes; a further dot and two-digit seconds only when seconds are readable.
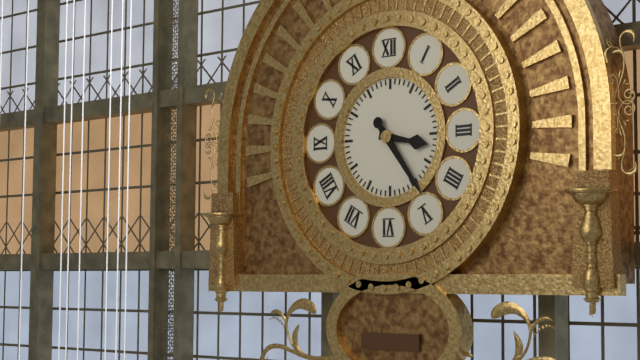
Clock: 3.24
